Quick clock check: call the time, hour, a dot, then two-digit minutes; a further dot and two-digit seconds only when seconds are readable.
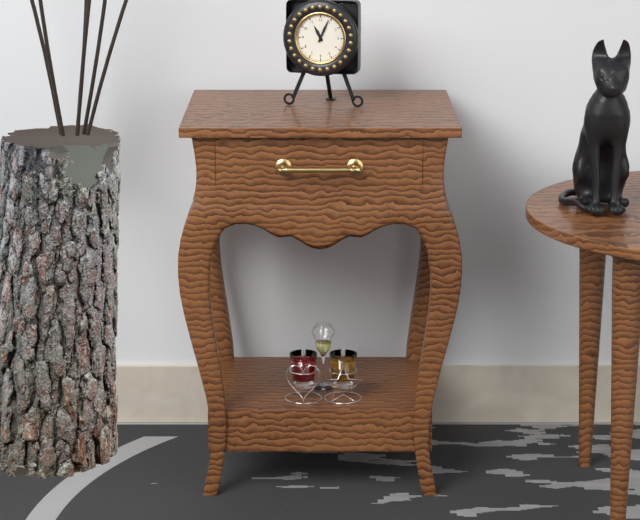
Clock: 11.04
